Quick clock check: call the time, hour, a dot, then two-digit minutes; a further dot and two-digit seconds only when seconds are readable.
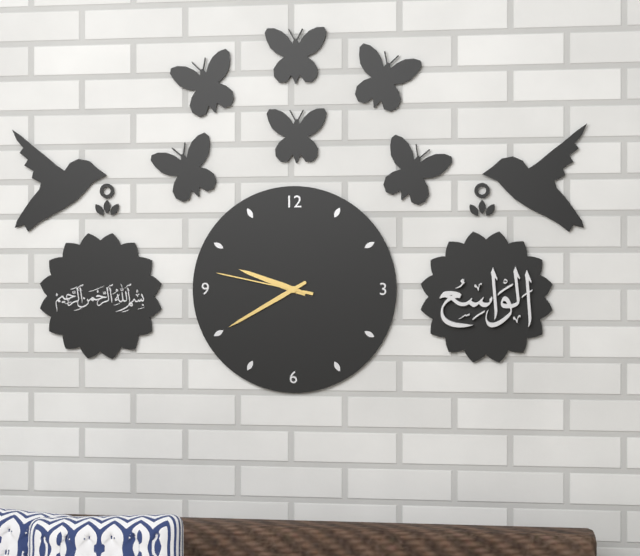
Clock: 9.40.47
